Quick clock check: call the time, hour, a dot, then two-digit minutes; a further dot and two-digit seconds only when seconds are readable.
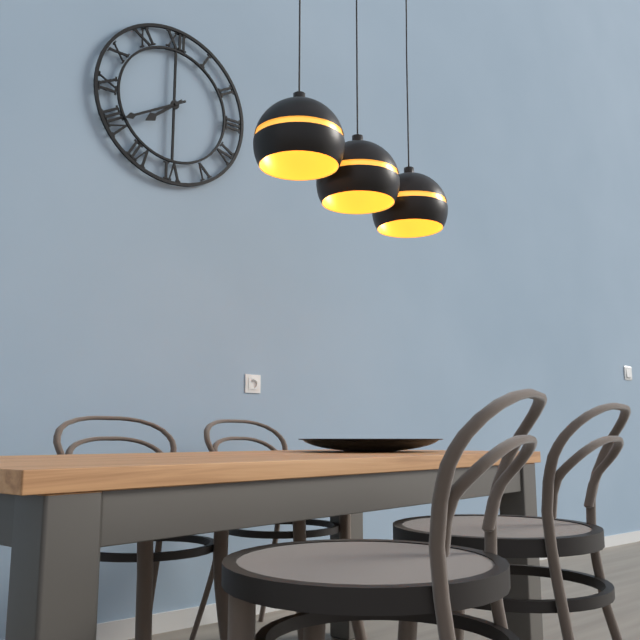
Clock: 7.40
